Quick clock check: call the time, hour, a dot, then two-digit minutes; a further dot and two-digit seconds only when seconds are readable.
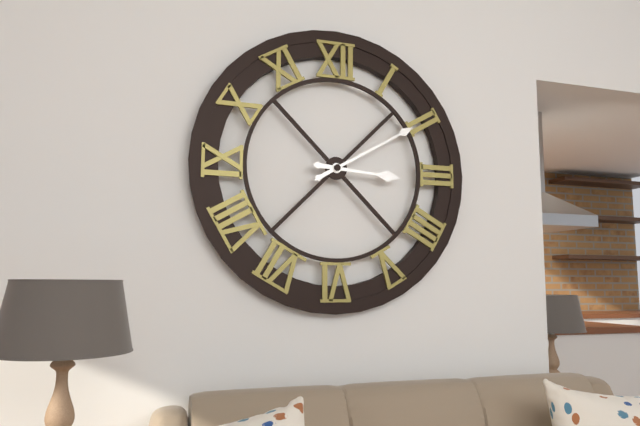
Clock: 3.10
